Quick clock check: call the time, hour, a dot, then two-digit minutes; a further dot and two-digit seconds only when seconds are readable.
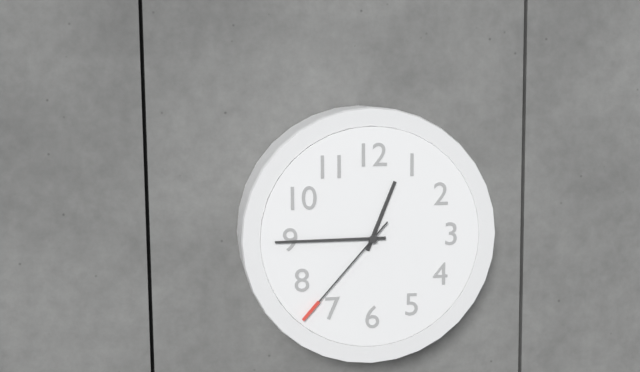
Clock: 12.45.37
